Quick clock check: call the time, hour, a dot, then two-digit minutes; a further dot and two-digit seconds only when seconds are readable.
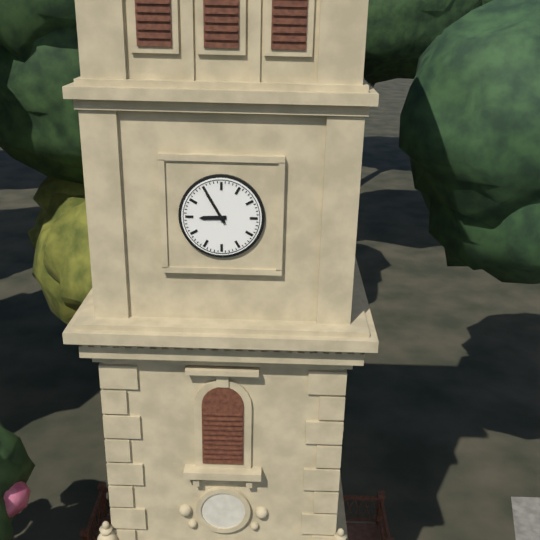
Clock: 8.55
